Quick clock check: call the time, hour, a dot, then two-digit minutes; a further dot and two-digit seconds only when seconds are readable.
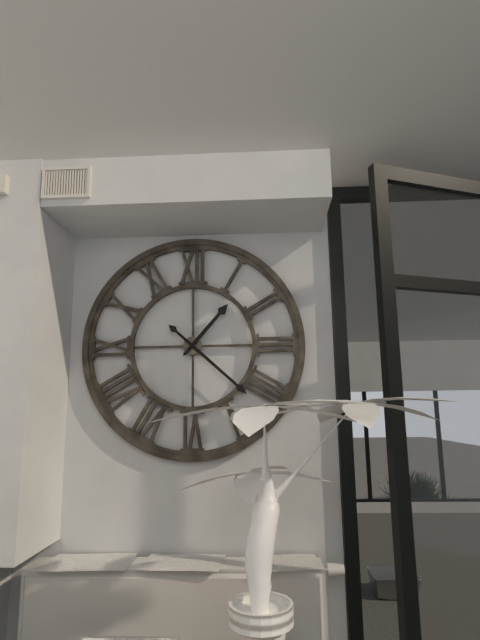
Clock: 1.22
